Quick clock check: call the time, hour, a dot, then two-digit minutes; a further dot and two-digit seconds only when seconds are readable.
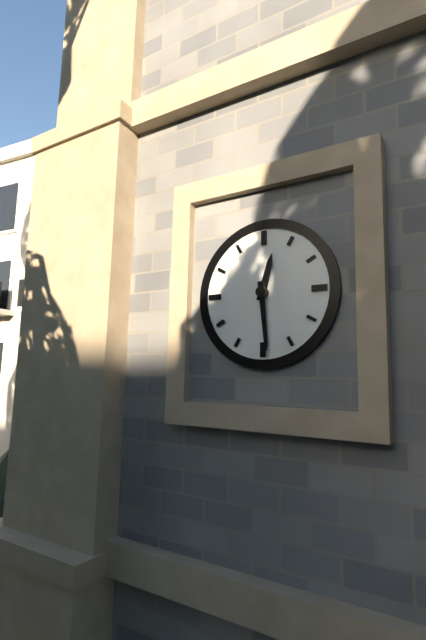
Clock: 12.29
